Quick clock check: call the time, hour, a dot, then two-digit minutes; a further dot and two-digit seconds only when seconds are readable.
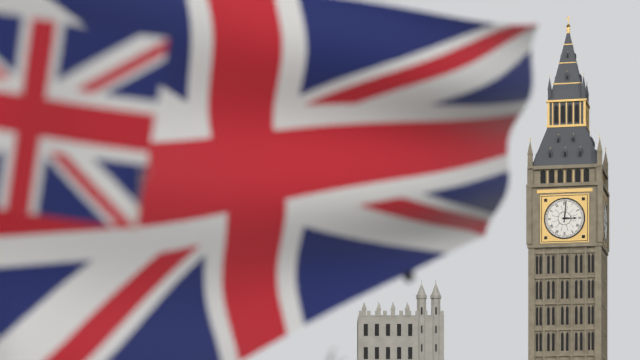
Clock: 3.01
